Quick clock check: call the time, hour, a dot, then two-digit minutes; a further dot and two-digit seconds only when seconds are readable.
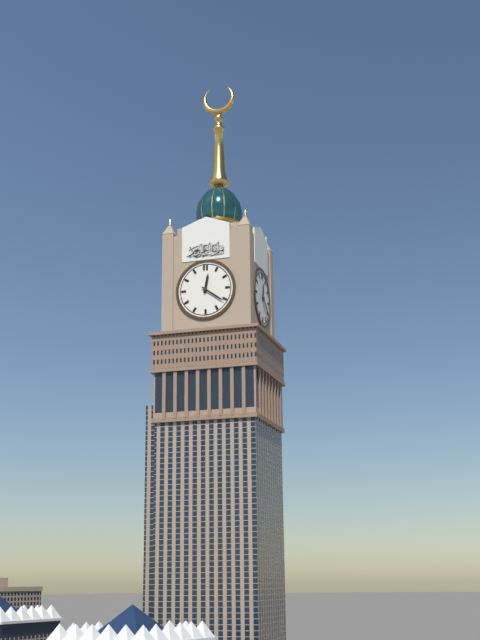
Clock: 12.21
